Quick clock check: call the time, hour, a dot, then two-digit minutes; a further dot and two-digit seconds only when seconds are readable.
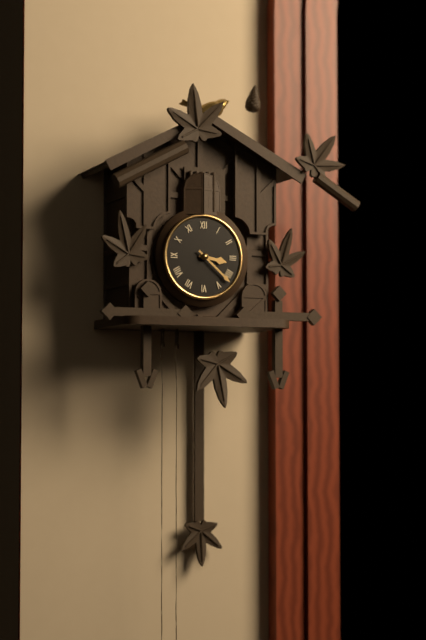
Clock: 3.22
